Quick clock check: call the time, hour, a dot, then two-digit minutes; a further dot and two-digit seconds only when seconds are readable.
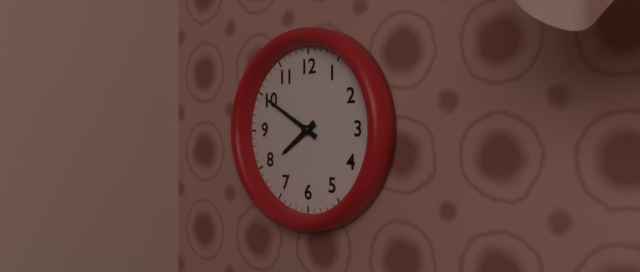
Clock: 7.50
